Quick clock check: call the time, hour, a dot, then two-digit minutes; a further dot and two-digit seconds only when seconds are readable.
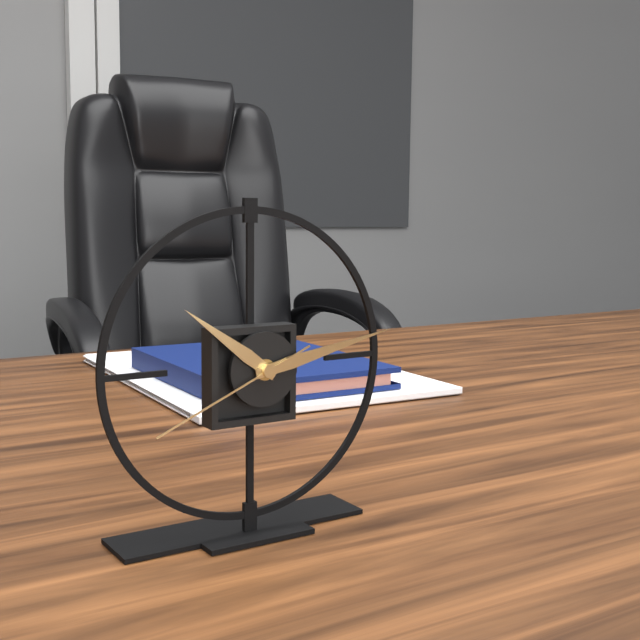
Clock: 10.13.41
